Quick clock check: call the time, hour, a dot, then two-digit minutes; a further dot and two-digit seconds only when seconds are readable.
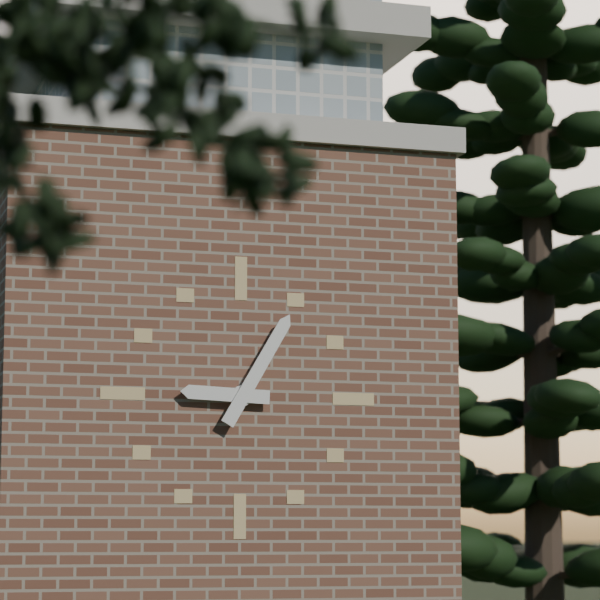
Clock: 9.05
